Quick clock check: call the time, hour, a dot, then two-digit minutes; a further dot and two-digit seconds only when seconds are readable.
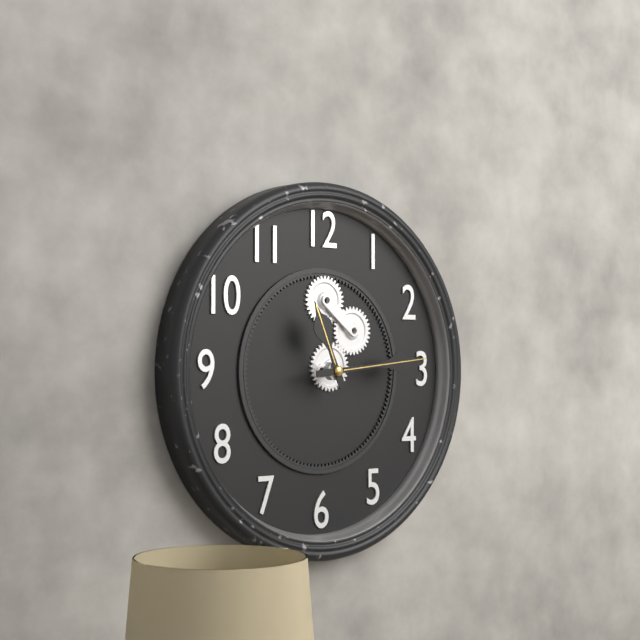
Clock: 11.14
